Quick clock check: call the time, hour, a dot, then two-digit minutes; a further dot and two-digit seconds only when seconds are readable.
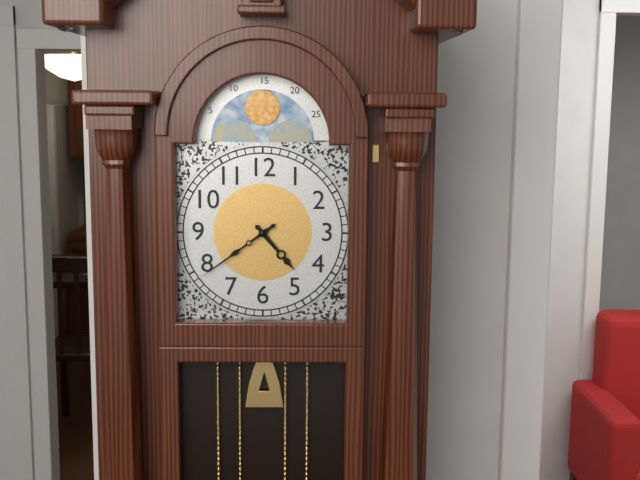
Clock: 4.39
